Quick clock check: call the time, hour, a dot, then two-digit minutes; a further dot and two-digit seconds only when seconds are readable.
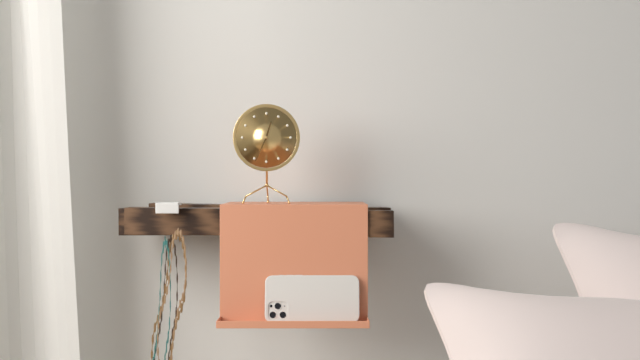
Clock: 12.34
